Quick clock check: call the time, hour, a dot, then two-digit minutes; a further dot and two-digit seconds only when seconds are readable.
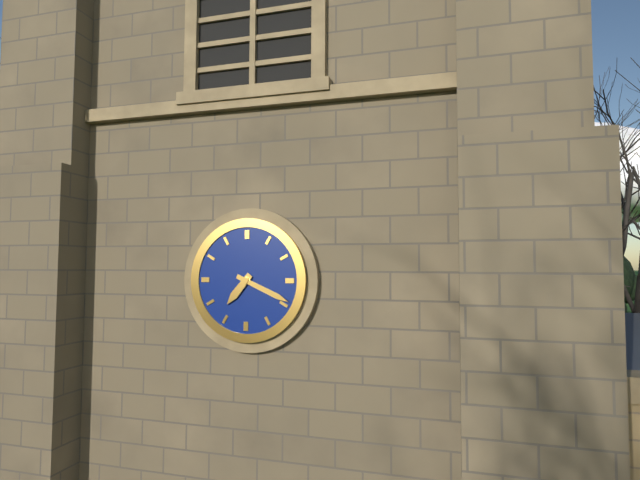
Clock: 7.19
